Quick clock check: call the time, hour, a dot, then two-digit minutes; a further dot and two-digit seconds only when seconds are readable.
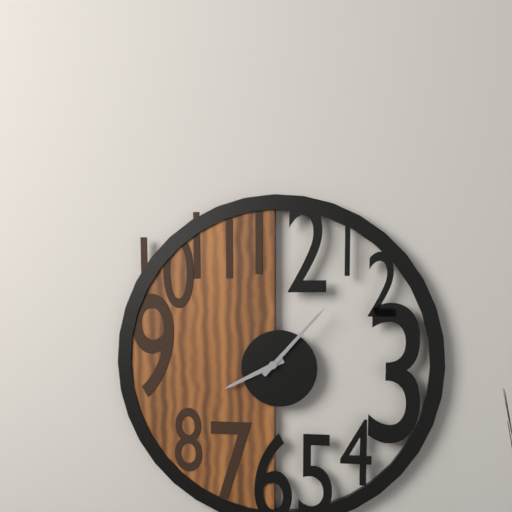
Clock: 8.07
